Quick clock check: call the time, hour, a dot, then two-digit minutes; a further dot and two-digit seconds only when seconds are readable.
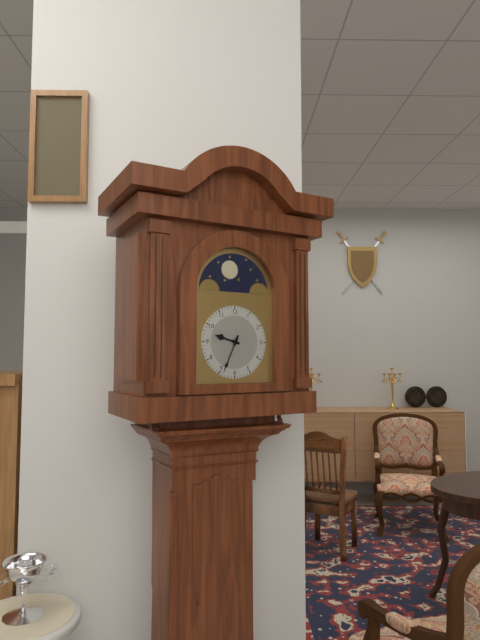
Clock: 9.34
